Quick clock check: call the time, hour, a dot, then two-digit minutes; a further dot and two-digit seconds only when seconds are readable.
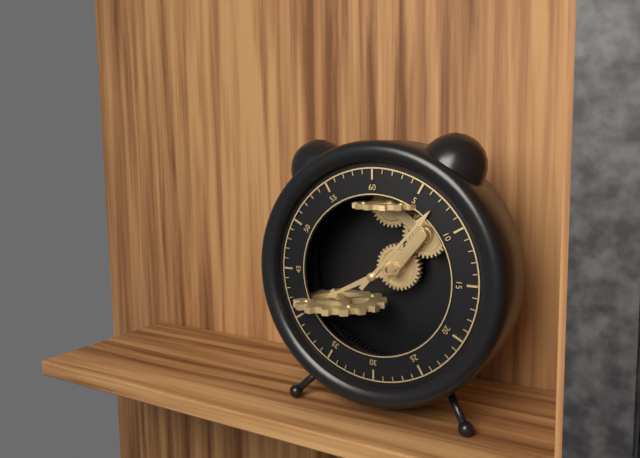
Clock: 8.07
